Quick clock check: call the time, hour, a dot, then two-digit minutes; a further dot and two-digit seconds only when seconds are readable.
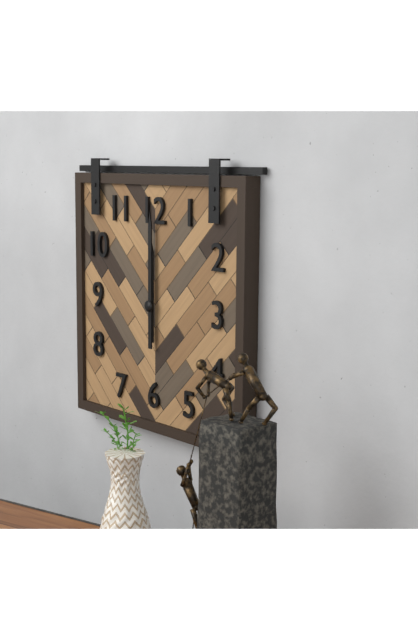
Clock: 12.00
